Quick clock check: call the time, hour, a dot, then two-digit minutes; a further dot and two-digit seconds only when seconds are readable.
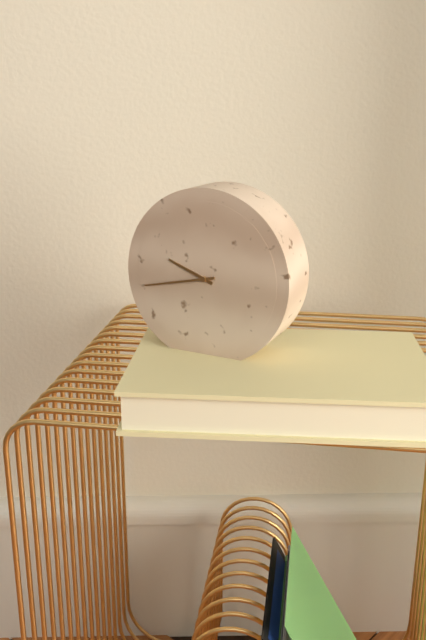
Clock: 9.43
